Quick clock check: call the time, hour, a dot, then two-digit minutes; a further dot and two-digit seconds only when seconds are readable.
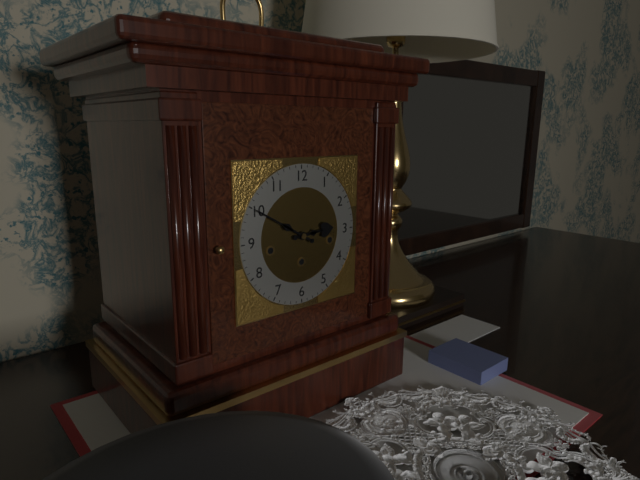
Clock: 2.50
